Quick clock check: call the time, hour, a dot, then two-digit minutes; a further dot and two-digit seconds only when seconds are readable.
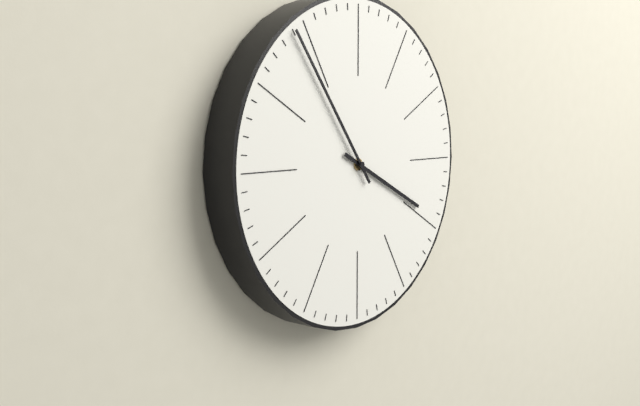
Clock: 3.54
